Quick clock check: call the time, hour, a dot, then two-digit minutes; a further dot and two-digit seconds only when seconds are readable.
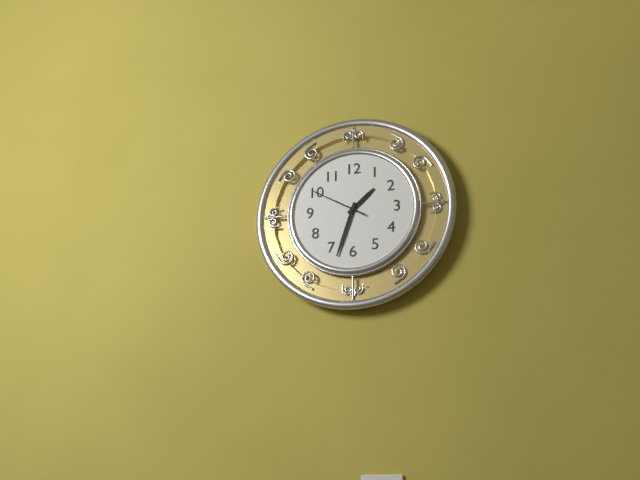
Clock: 1.33.50
